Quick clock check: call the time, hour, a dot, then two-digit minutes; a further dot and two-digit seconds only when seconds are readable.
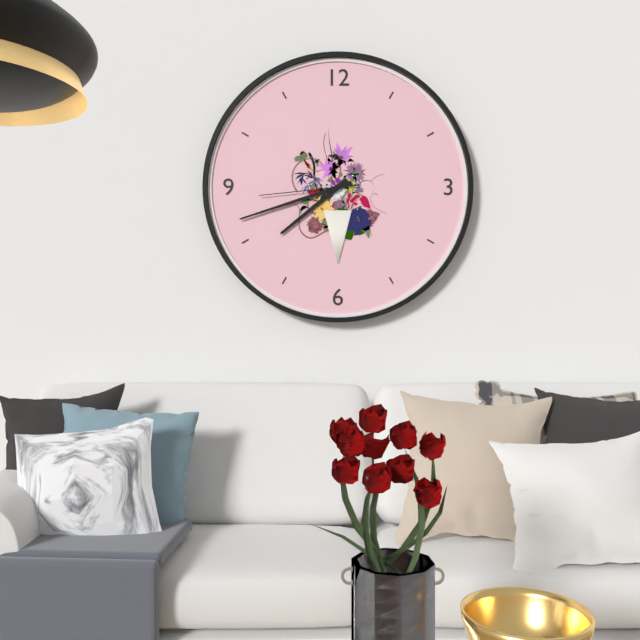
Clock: 7.42.44
